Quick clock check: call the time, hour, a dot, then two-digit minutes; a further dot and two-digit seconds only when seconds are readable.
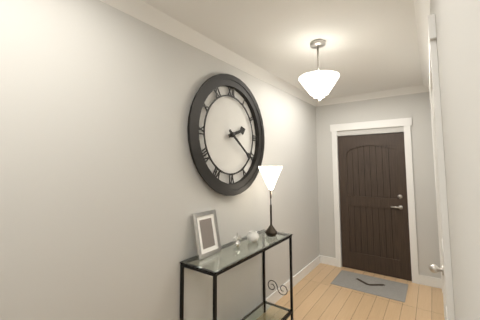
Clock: 2.21
